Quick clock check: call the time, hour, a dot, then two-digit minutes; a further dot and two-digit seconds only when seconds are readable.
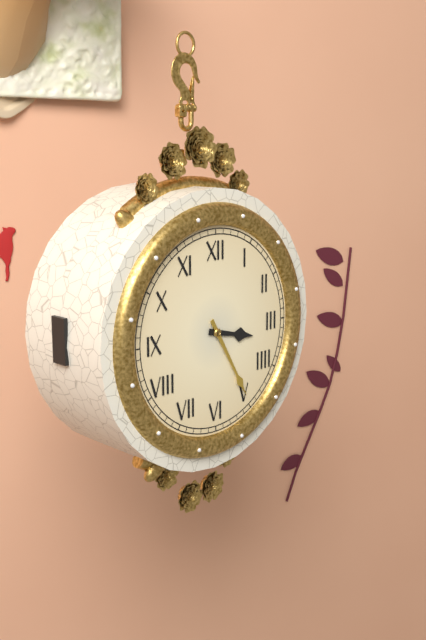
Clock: 3.25
